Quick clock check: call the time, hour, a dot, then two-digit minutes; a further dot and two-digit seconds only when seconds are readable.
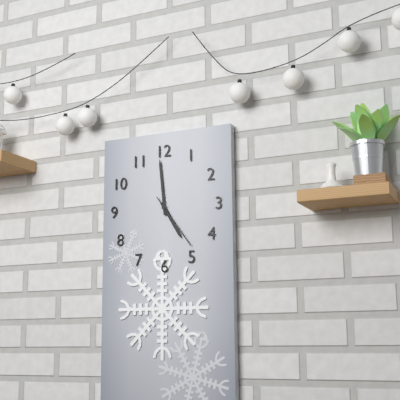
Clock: 4.59.24
